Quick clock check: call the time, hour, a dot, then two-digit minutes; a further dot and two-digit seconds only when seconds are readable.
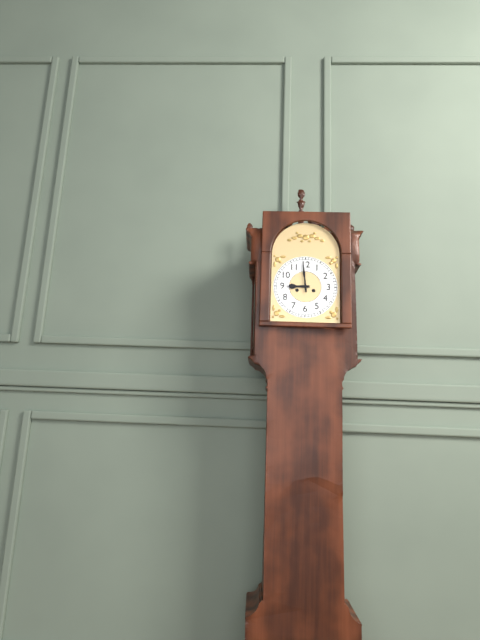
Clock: 8.59
